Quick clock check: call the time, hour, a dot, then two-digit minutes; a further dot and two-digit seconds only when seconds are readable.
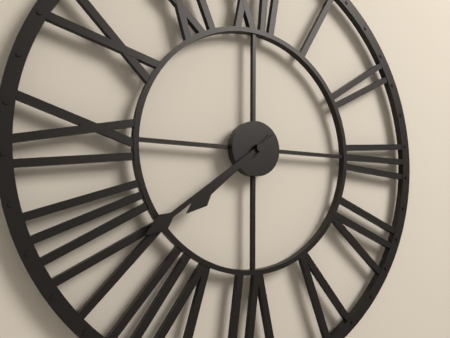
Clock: 7.39
